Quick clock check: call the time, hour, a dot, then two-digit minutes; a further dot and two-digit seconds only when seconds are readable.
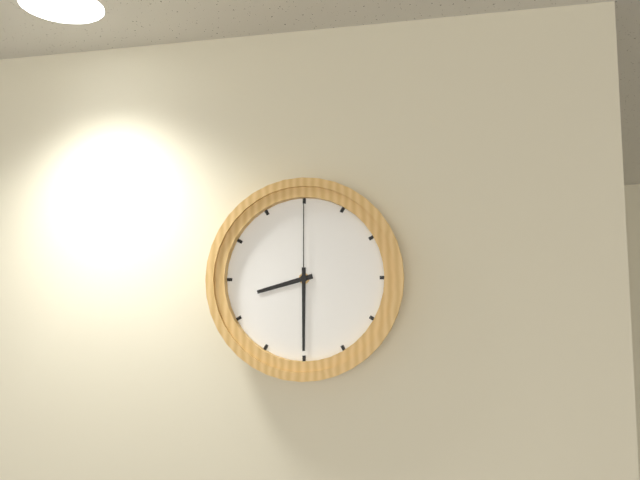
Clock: 8.30.00
